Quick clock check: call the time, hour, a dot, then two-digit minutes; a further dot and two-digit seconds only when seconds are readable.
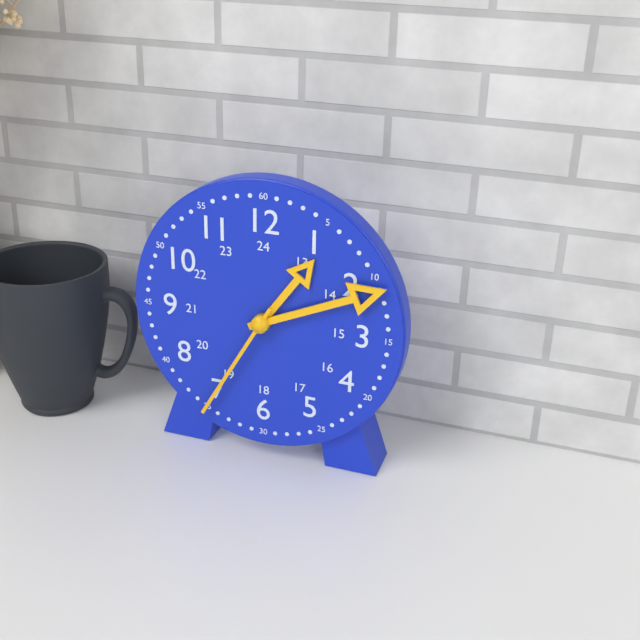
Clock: 1.11.35
